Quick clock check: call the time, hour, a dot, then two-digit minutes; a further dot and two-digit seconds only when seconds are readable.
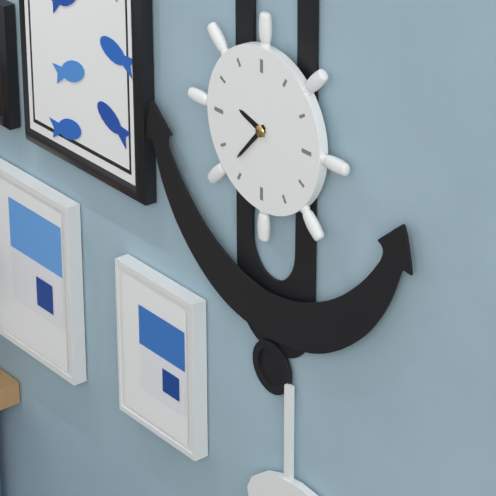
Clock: 9.37
